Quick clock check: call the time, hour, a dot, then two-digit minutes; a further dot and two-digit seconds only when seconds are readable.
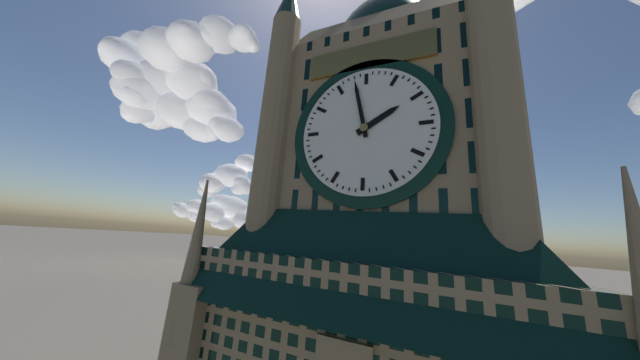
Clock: 1.58
